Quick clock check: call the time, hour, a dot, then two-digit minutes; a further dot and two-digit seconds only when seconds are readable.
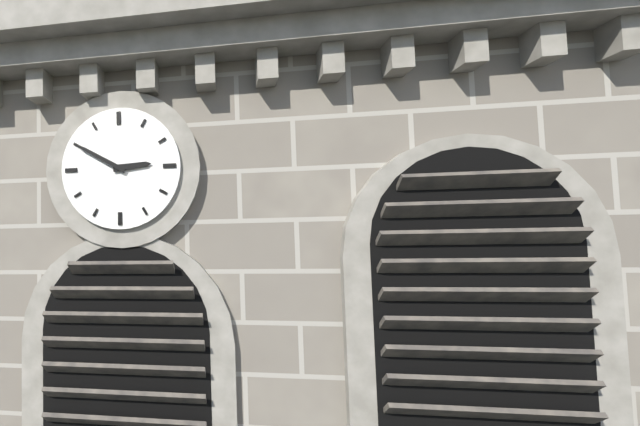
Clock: 2.50
